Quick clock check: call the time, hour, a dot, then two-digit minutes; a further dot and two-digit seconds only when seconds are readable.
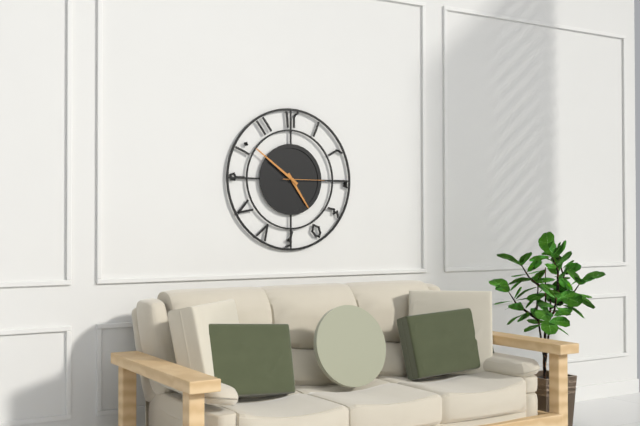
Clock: 4.51
